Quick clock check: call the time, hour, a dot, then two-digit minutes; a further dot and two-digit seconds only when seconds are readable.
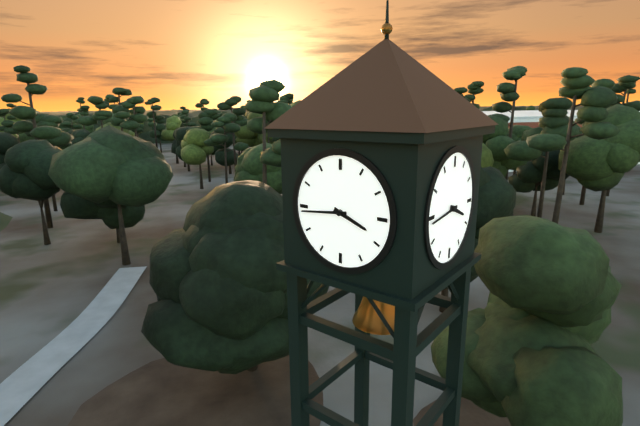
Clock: 3.44
